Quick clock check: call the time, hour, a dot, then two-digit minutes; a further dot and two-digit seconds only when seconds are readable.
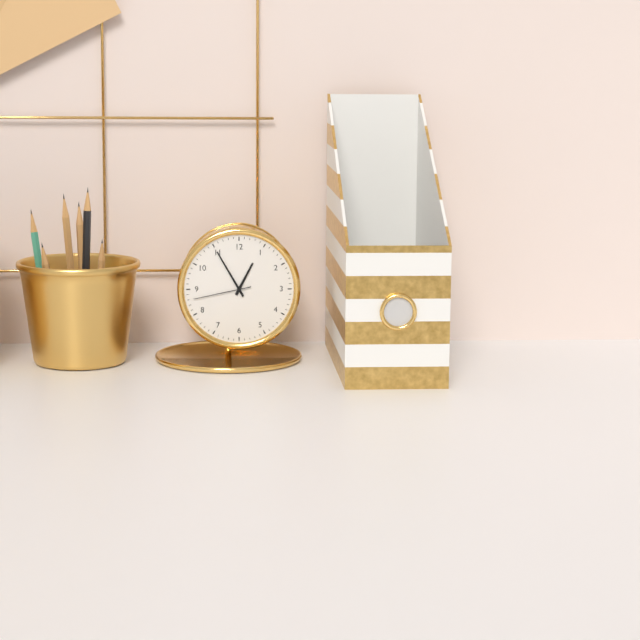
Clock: 12.55.43
